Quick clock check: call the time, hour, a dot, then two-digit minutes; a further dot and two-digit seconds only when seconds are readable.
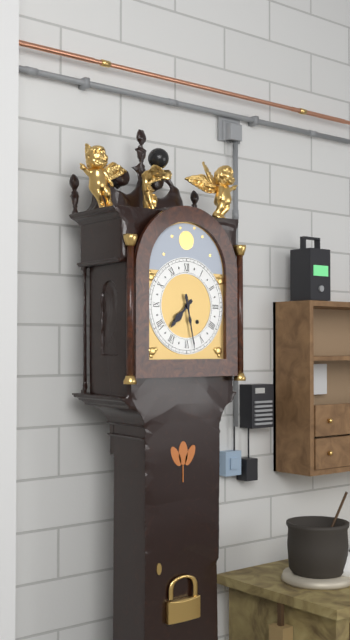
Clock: 7.28
